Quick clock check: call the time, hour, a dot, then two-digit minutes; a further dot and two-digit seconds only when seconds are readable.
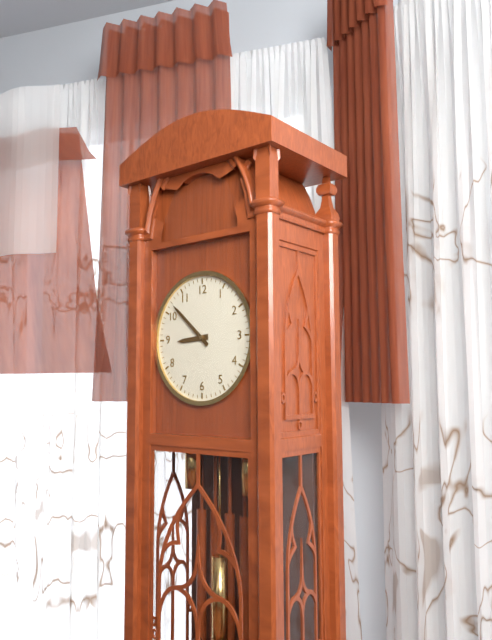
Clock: 8.52
